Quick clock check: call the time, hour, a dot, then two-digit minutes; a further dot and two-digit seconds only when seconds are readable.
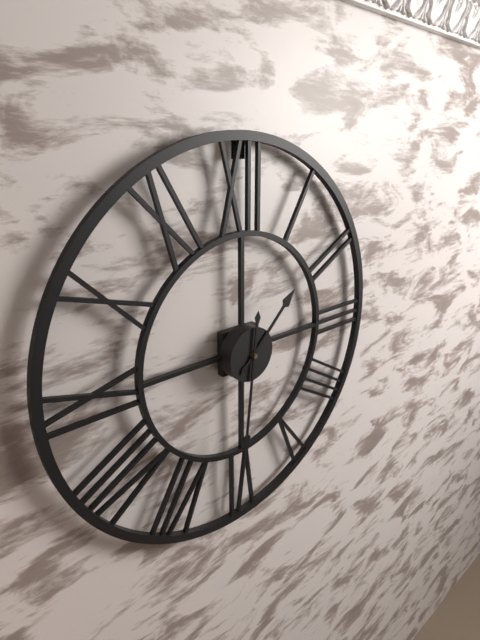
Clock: 1.31
